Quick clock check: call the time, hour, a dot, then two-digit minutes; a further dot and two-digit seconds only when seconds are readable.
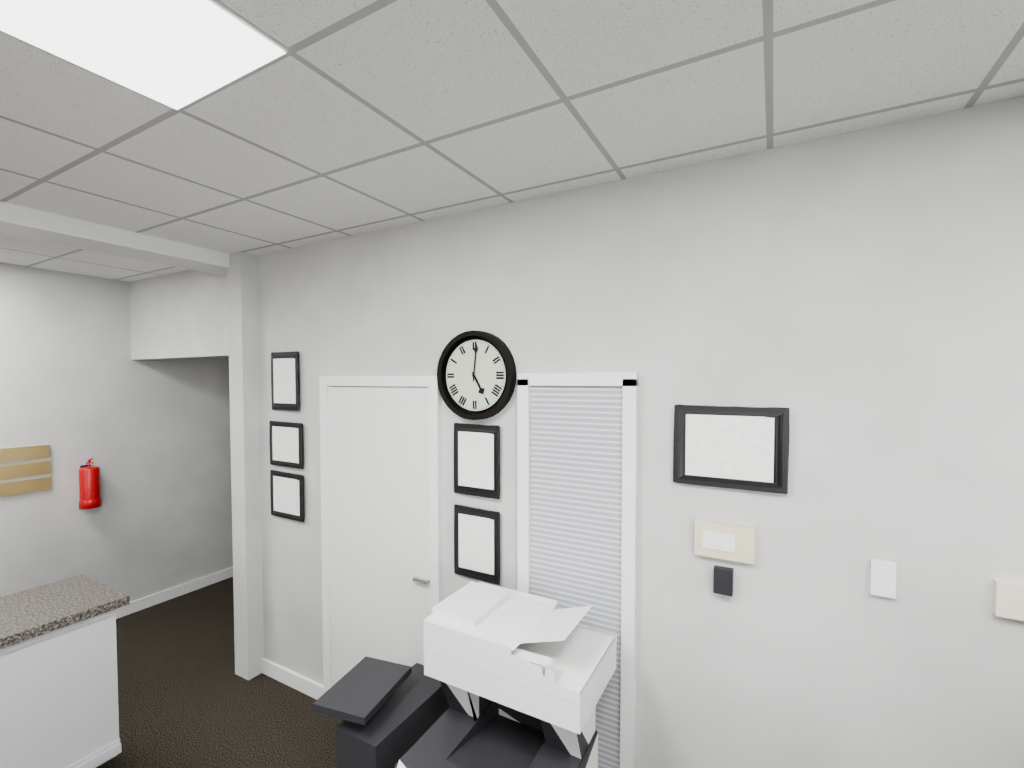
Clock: 5.01
